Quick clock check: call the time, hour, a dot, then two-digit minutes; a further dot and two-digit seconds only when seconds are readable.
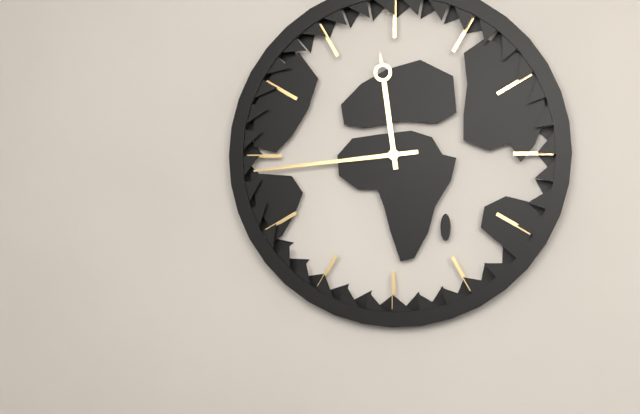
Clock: 11.44
